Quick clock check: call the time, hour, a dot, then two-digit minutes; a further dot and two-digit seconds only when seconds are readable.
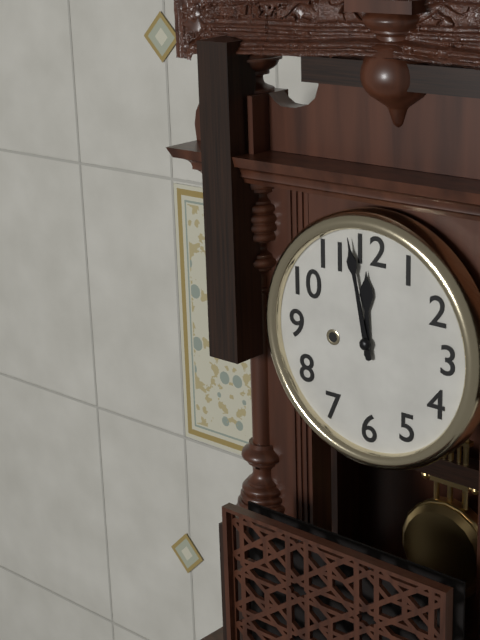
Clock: 11.58
